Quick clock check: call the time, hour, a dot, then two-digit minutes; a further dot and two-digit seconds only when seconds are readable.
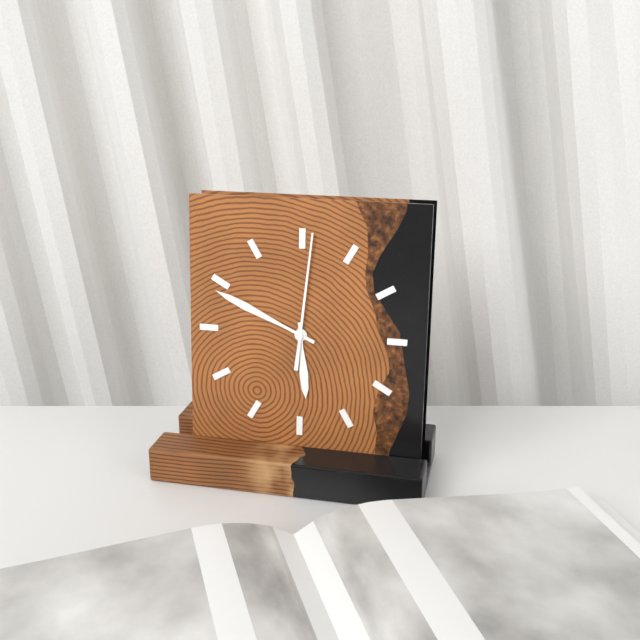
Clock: 5.49.01
